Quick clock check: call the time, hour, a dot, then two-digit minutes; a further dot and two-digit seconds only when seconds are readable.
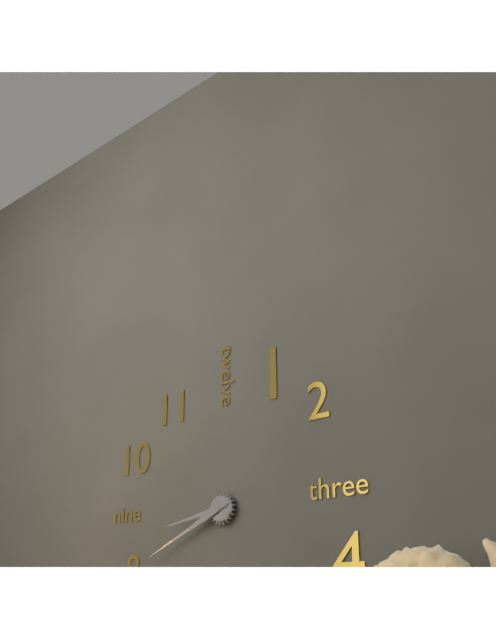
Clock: 8.41
